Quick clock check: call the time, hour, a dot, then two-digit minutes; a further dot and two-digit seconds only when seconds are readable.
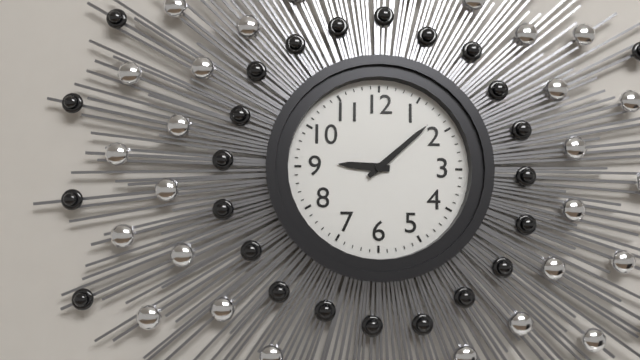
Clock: 9.08
